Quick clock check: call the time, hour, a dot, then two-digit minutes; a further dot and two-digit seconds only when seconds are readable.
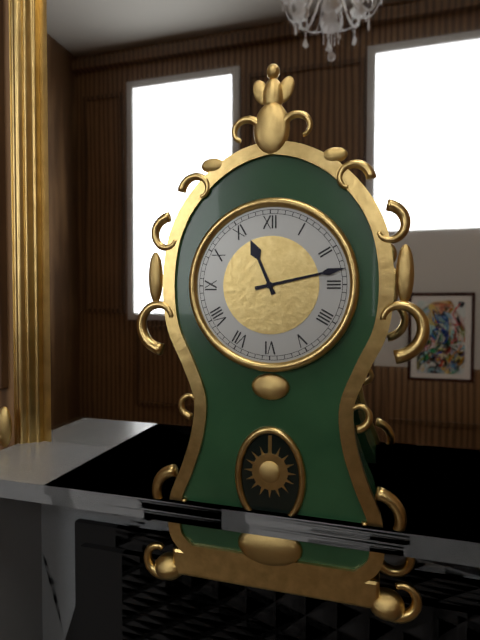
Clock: 11.13
